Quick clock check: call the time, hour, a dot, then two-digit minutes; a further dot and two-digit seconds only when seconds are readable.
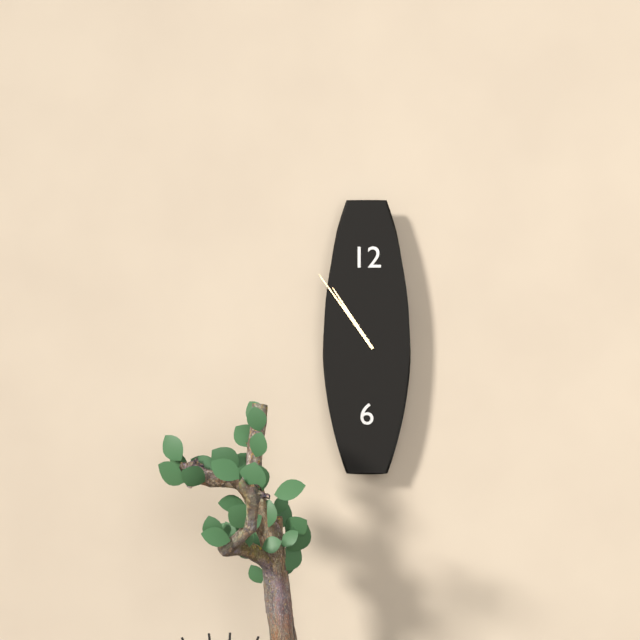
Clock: 10.54
